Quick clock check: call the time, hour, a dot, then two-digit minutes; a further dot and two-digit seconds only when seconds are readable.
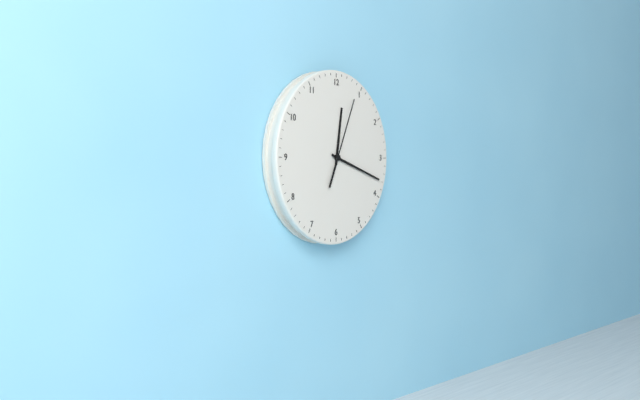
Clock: 12.18.04
